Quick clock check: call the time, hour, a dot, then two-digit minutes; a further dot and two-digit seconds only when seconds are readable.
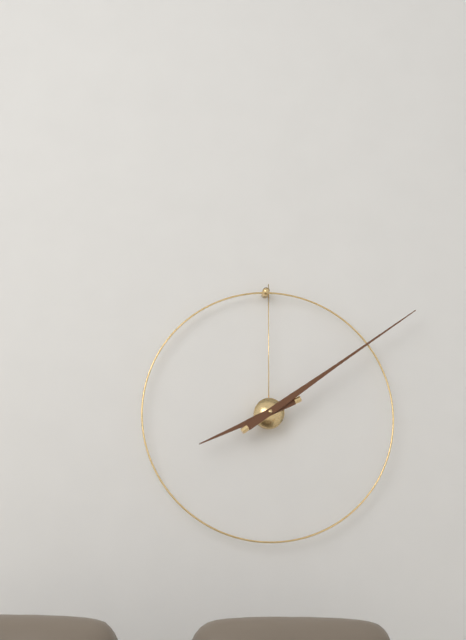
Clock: 8.09
